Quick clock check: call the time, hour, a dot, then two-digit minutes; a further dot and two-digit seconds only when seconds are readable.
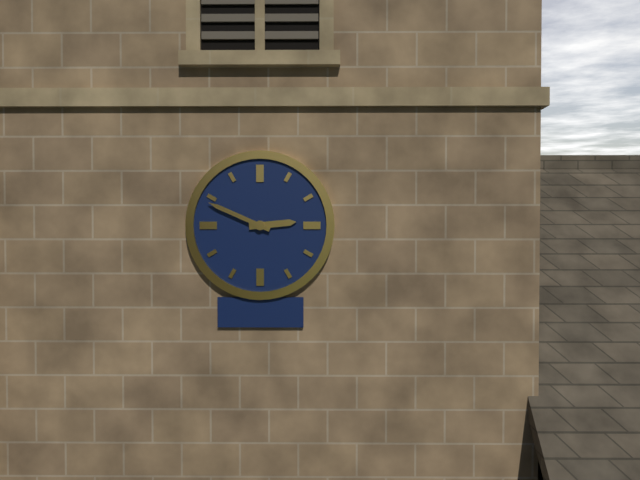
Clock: 2.49
